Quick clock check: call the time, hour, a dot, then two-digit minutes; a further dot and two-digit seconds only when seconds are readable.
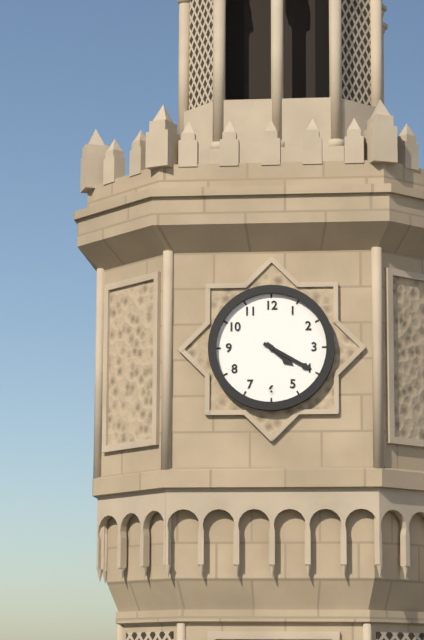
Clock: 4.20
